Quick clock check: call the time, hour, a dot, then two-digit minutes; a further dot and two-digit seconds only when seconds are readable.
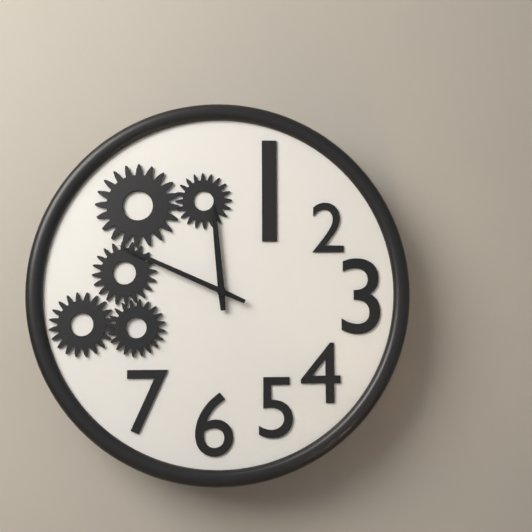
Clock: 11.49
